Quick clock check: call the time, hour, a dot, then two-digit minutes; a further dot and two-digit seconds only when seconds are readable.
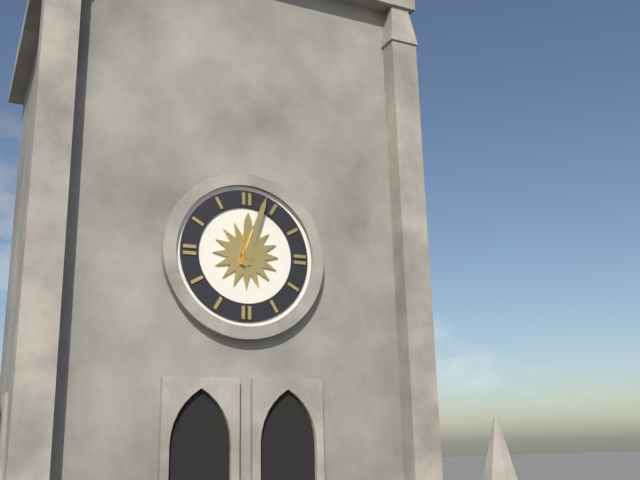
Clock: 12.03
